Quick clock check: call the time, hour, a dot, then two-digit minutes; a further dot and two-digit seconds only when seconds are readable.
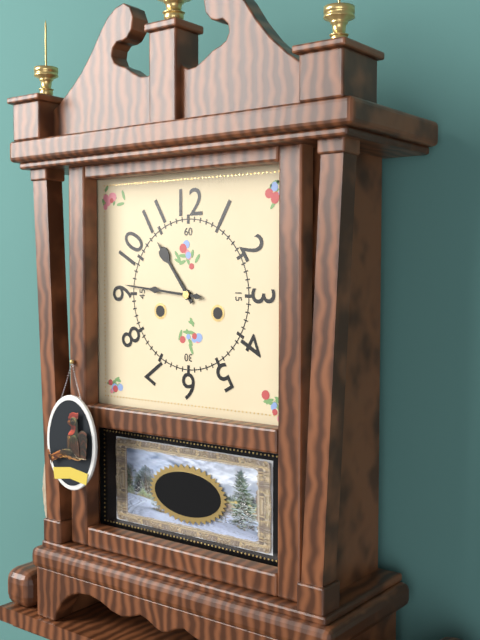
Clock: 10.46
